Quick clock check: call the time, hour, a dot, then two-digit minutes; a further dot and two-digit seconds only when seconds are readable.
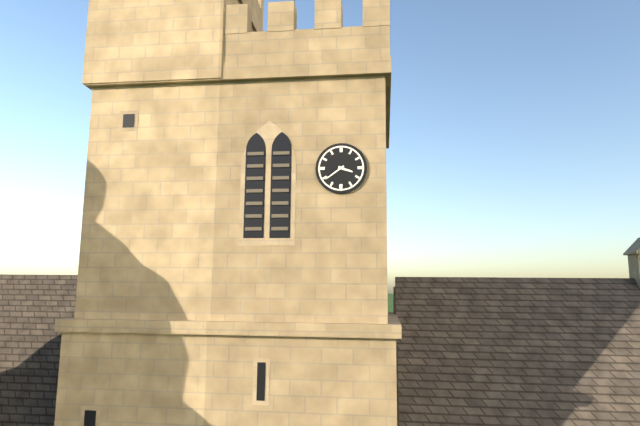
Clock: 3.39
